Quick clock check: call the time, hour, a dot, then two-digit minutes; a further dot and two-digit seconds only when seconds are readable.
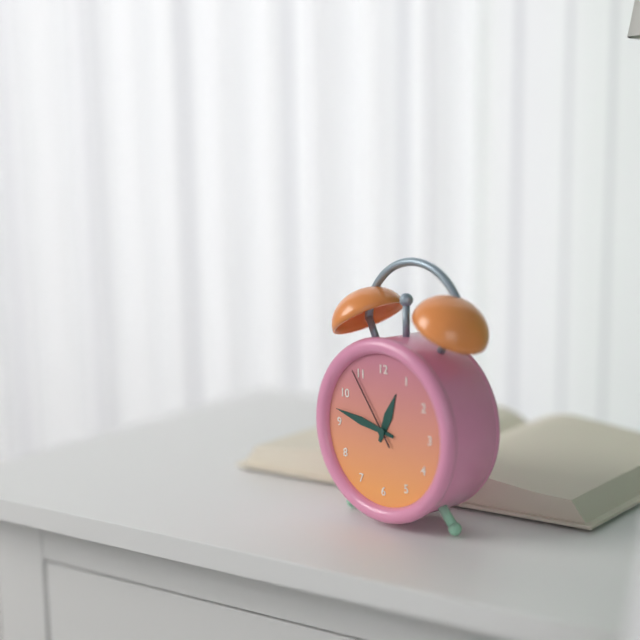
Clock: 12.47.54
